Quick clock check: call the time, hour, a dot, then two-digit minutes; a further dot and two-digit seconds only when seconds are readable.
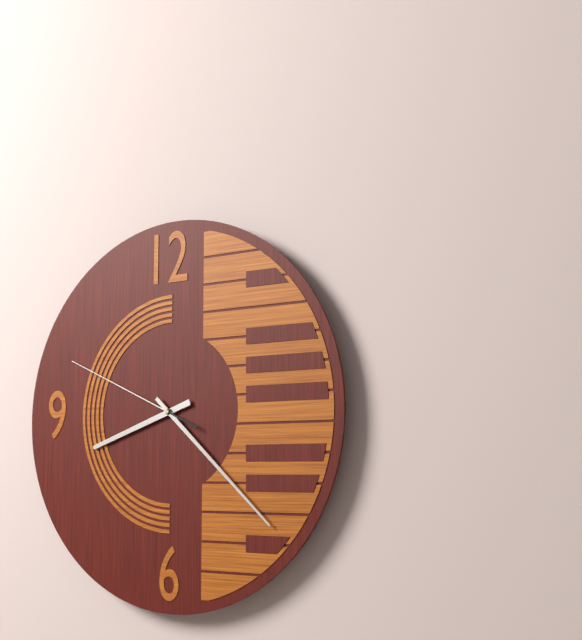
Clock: 8.22.49
